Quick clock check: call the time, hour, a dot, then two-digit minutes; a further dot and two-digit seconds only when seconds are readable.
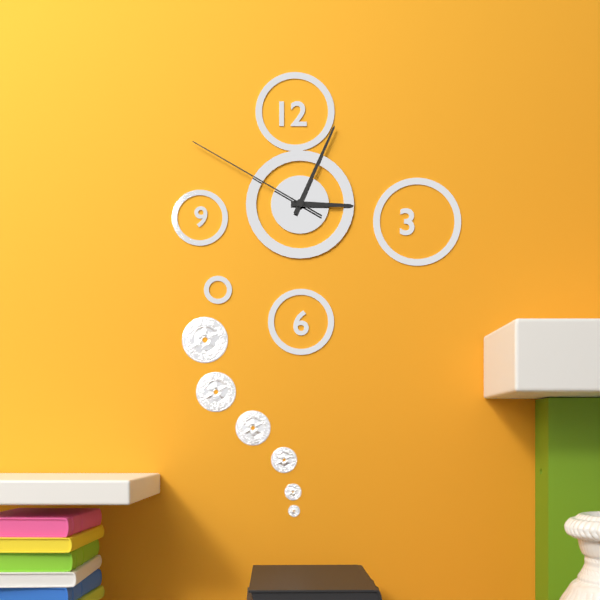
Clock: 3.04.50
